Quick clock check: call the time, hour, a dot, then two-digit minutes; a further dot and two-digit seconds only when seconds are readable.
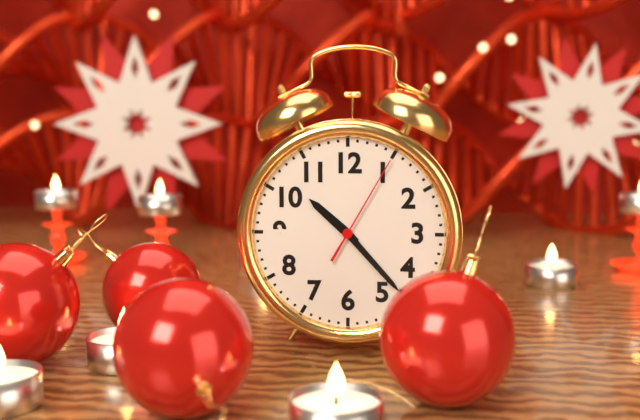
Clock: 10.23.05
